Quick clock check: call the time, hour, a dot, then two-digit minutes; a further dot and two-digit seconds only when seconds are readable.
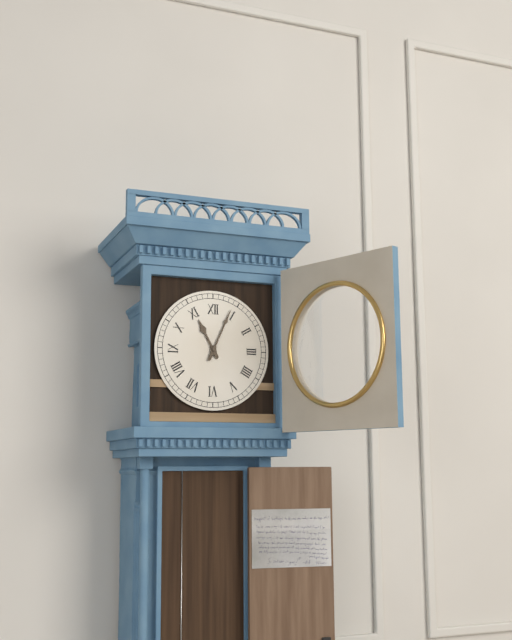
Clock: 11.04
